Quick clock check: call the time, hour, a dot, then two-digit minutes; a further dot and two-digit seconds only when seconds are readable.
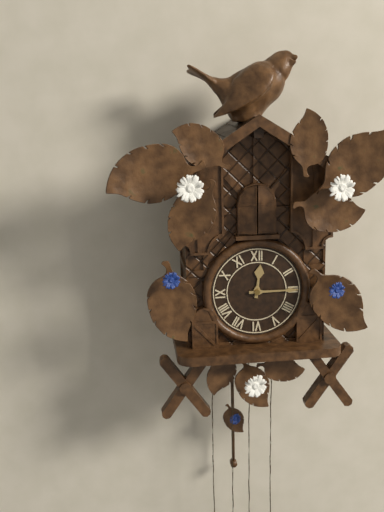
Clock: 12.15
